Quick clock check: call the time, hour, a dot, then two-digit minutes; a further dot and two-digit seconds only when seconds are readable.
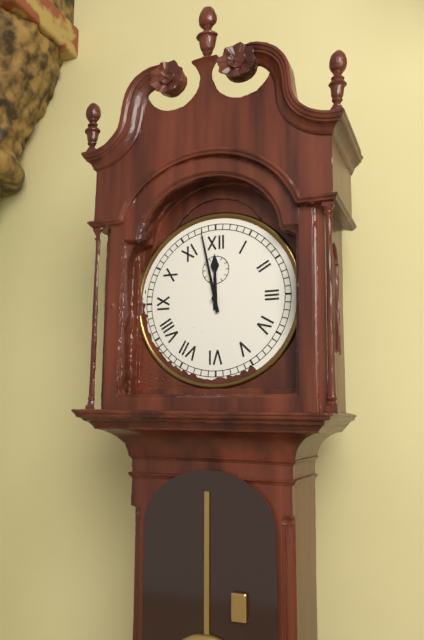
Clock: 11.58
